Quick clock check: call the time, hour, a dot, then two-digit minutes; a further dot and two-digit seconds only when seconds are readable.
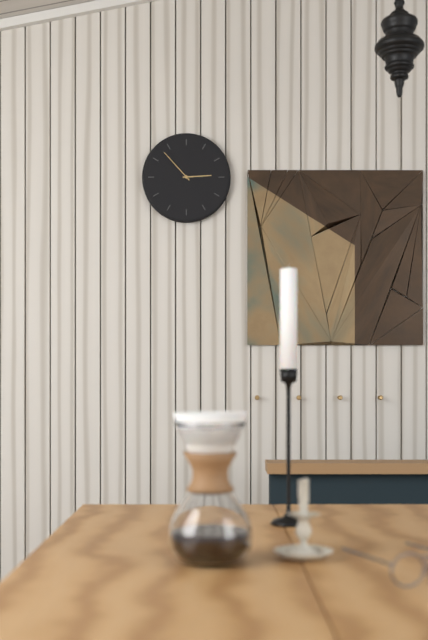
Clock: 2.53
